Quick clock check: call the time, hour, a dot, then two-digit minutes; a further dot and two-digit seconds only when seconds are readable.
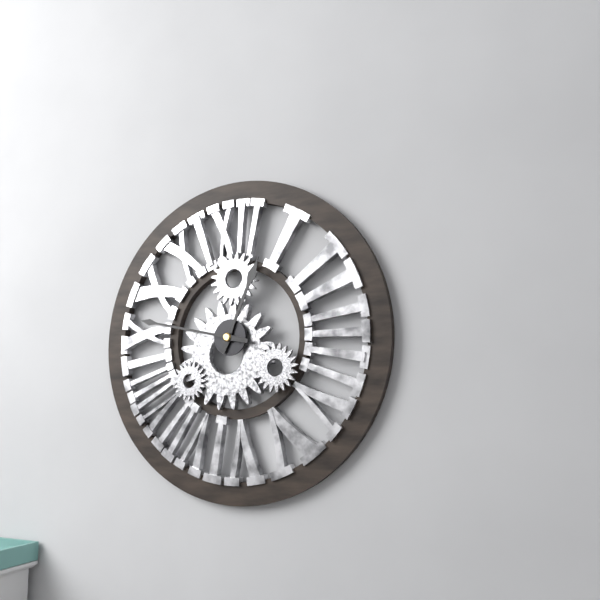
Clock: 12.47
